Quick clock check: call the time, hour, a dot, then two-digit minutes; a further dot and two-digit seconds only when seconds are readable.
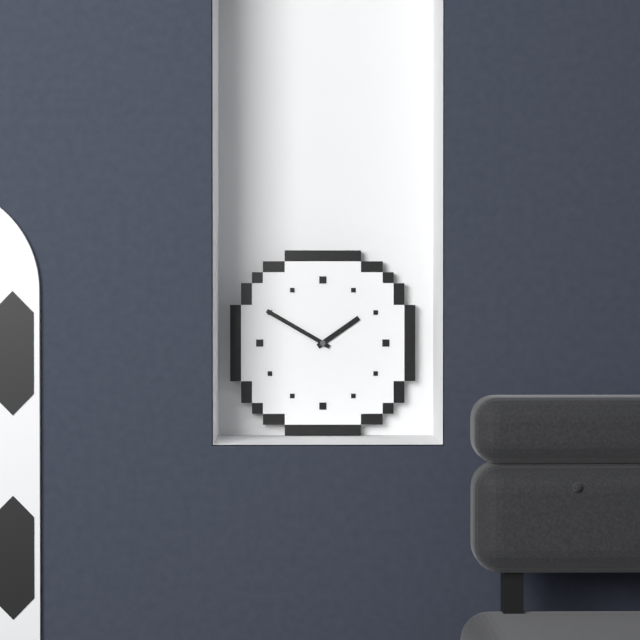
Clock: 1.50
